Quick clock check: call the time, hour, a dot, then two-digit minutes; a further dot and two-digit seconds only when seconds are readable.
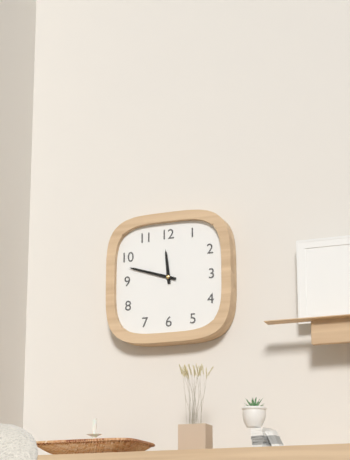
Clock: 11.48
